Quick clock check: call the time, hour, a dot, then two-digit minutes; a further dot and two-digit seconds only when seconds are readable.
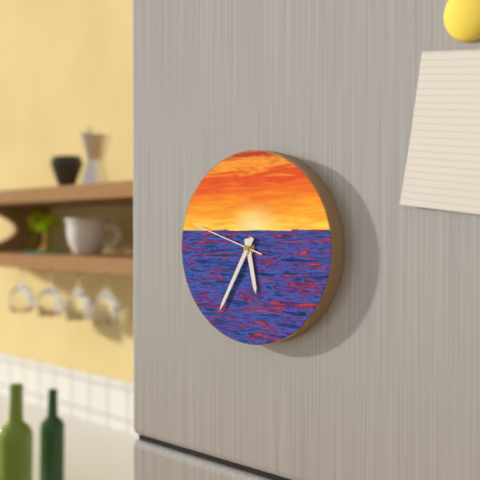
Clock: 5.35.48
